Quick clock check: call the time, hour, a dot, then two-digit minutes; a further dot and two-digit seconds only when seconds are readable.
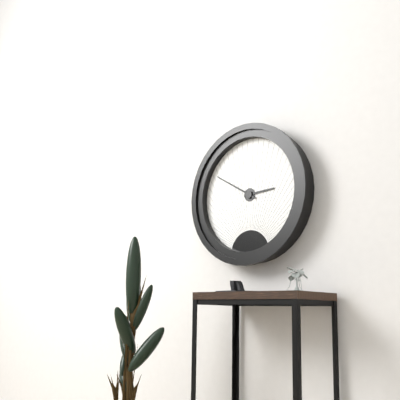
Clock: 2.50
